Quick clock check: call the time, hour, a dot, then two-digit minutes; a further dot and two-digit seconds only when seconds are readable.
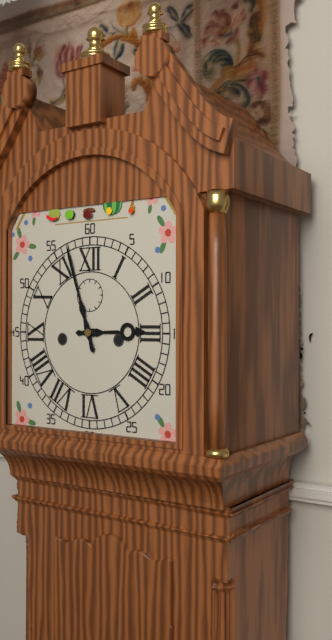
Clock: 2.57
